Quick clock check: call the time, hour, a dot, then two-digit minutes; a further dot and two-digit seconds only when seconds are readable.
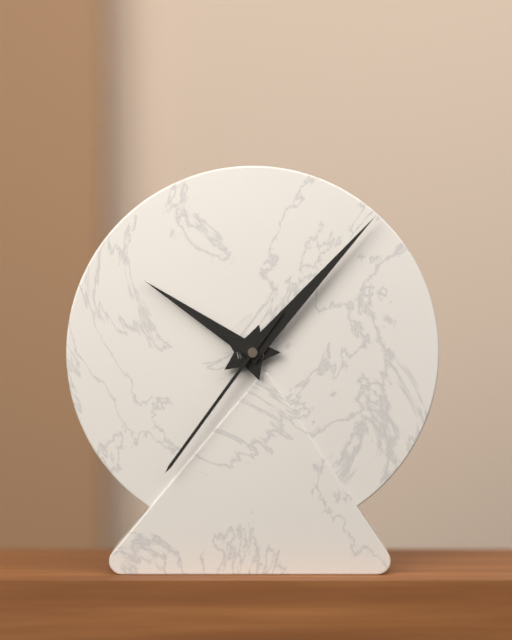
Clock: 10.07.36
